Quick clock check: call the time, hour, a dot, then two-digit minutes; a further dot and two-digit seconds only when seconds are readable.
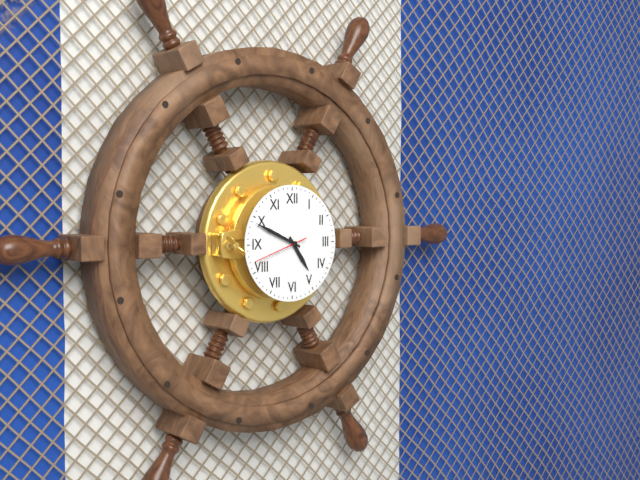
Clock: 4.49.42
